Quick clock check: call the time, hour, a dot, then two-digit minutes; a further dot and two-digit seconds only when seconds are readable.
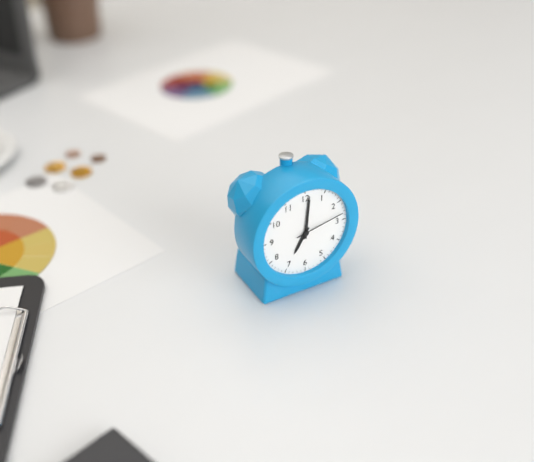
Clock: 7.01.13
